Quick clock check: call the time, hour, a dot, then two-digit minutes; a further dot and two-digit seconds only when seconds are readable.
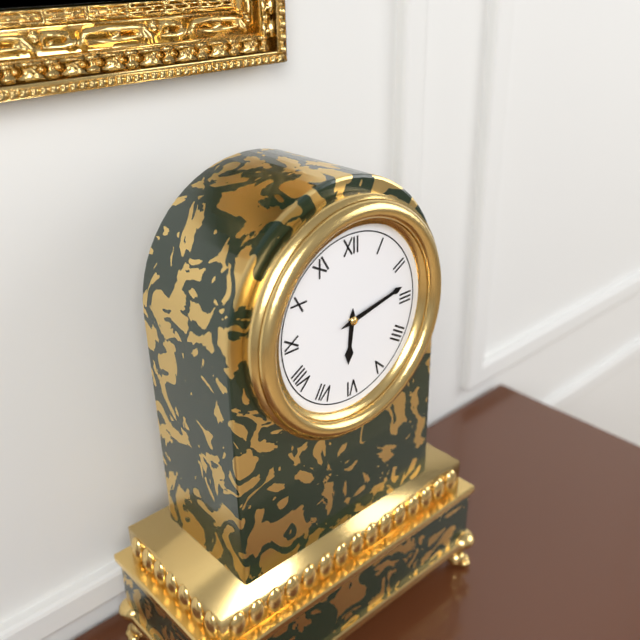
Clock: 6.13
